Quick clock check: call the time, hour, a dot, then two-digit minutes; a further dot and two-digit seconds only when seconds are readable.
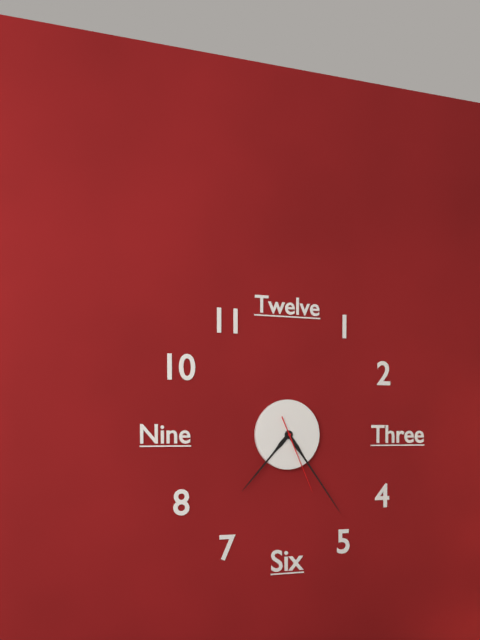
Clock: 7.24.26
